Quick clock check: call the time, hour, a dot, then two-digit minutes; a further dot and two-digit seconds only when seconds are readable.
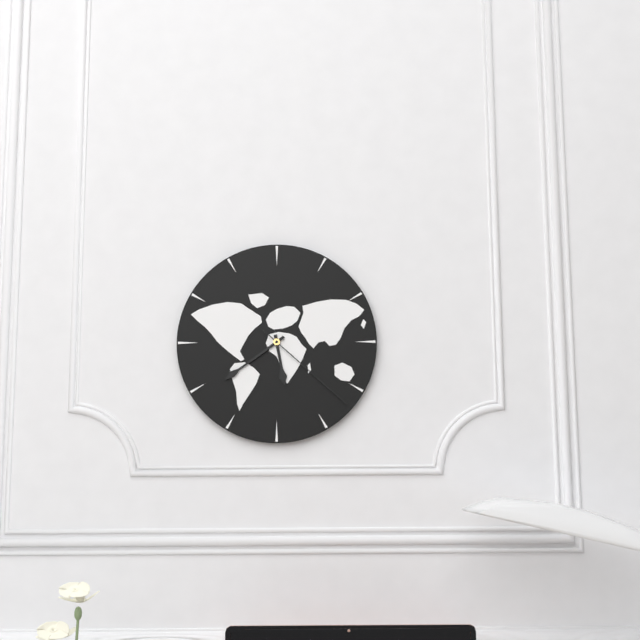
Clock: 5.39.22
